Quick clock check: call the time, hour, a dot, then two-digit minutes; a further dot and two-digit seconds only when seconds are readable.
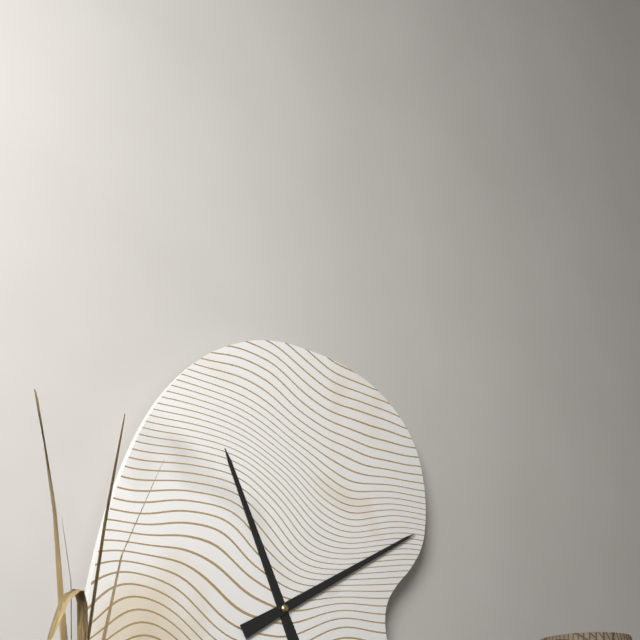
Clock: 11.10
